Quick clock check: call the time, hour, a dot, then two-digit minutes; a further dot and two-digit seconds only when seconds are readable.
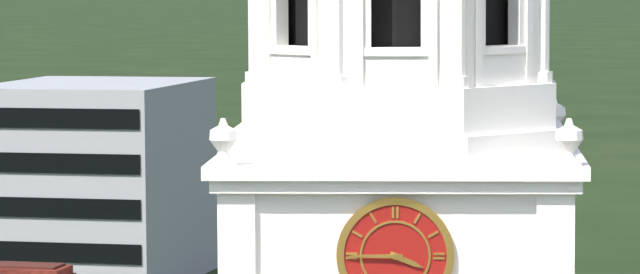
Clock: 3.45
